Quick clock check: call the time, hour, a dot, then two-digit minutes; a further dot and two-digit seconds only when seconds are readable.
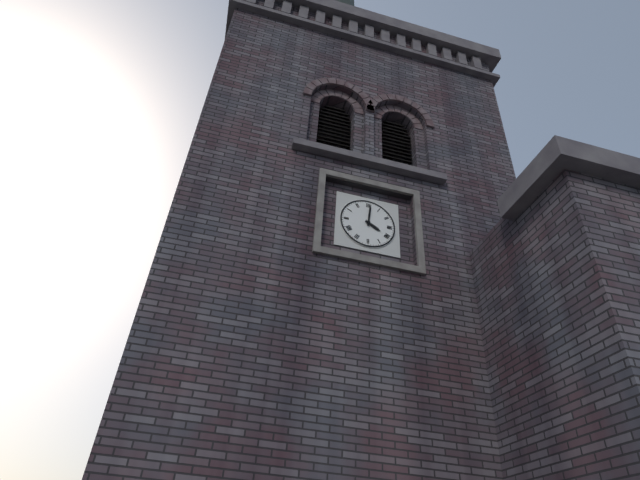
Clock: 4.01
